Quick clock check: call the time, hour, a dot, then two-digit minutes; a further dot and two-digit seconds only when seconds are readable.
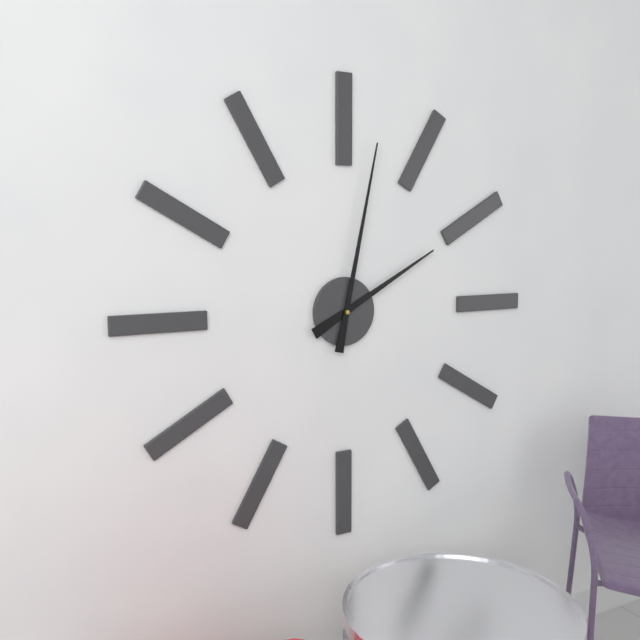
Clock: 2.02
